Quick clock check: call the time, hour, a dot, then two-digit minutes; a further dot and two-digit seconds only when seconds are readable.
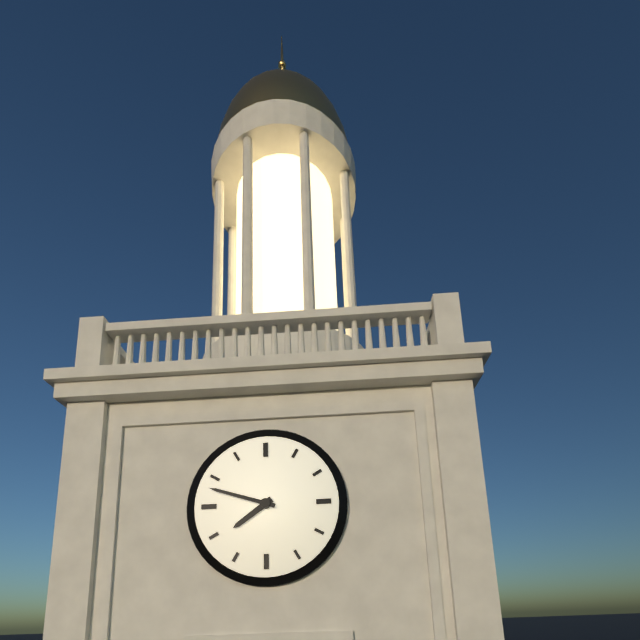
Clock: 7.48
